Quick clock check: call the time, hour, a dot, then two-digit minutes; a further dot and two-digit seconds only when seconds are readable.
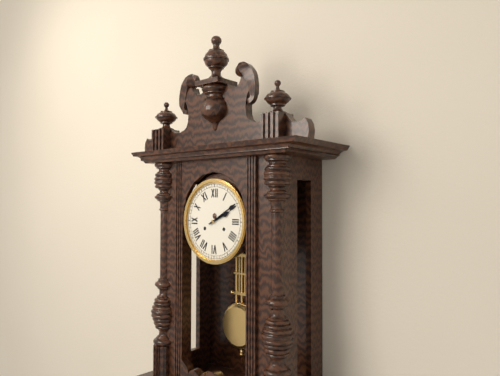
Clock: 2.10
